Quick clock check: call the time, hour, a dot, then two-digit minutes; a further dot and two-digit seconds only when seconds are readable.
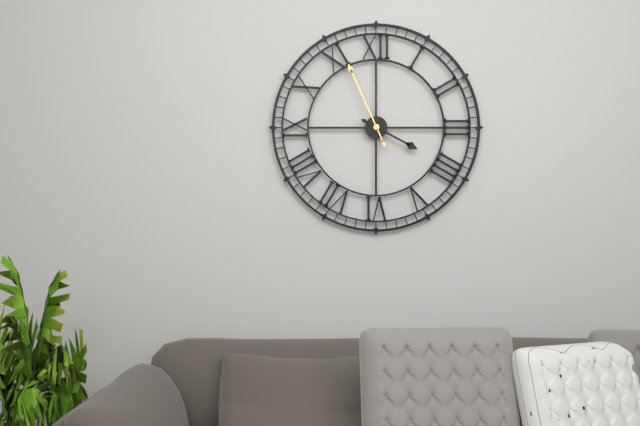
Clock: 3.56
